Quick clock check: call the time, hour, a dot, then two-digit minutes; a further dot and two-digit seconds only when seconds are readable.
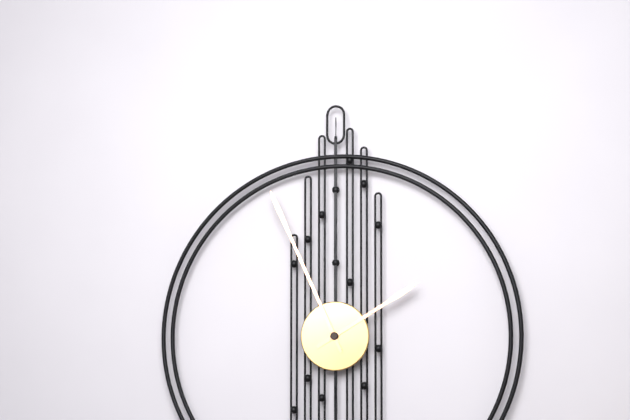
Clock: 1.56
